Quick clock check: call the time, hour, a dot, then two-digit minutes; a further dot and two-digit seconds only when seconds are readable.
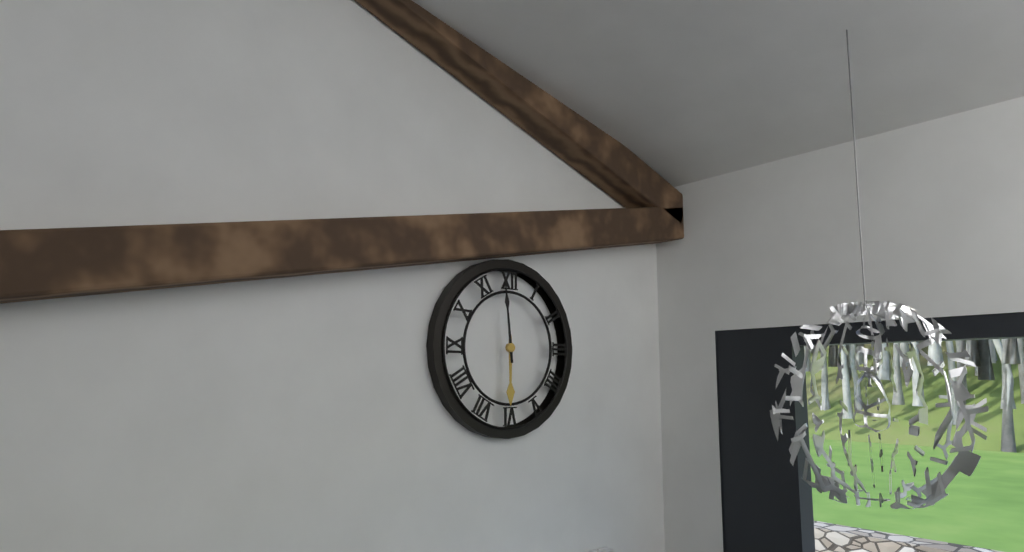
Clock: 5.59
